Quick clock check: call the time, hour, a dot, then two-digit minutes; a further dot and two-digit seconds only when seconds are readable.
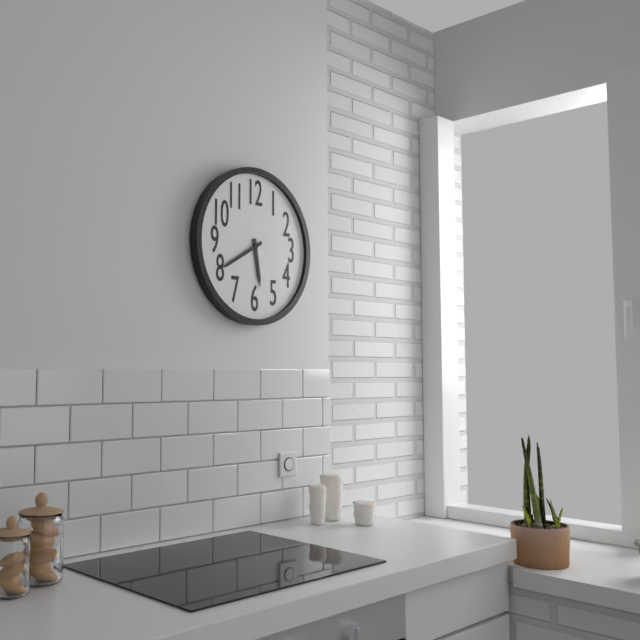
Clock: 5.40
